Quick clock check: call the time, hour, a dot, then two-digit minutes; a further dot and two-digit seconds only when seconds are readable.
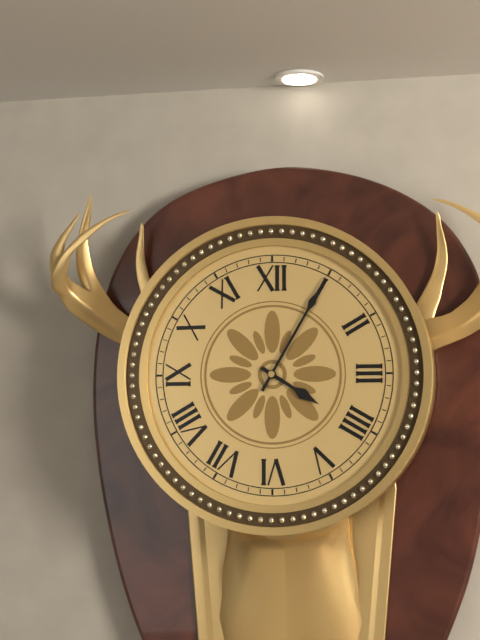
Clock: 4.05
